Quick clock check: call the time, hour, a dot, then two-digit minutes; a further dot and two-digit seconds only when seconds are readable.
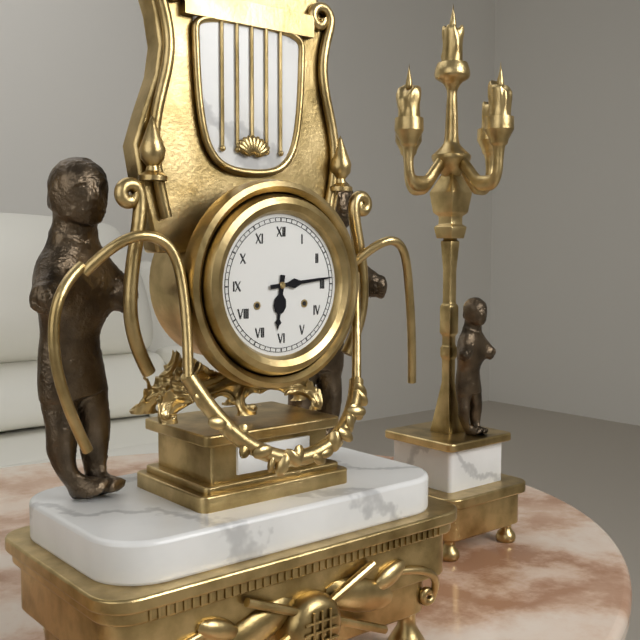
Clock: 6.14
